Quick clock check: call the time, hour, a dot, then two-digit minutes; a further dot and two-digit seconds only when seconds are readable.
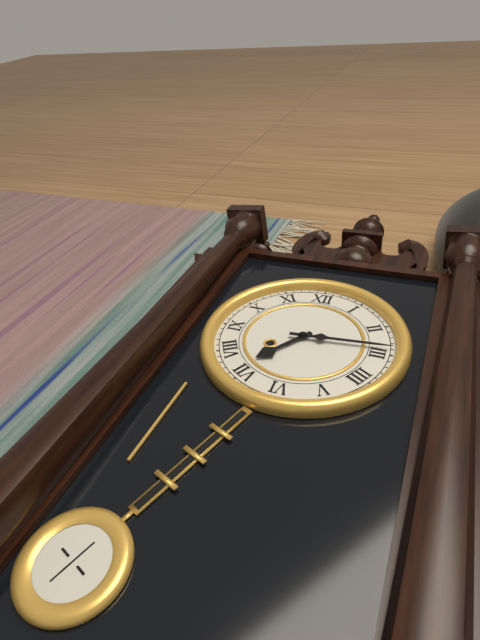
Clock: 7.14
